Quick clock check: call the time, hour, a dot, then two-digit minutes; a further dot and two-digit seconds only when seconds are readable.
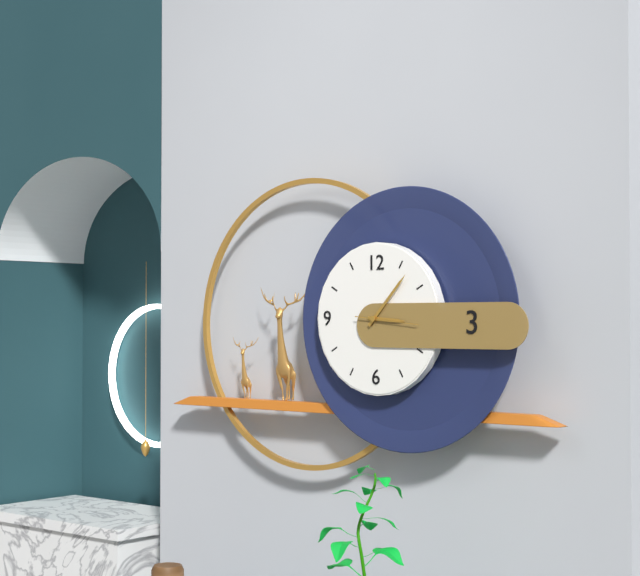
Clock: 3.07.16
